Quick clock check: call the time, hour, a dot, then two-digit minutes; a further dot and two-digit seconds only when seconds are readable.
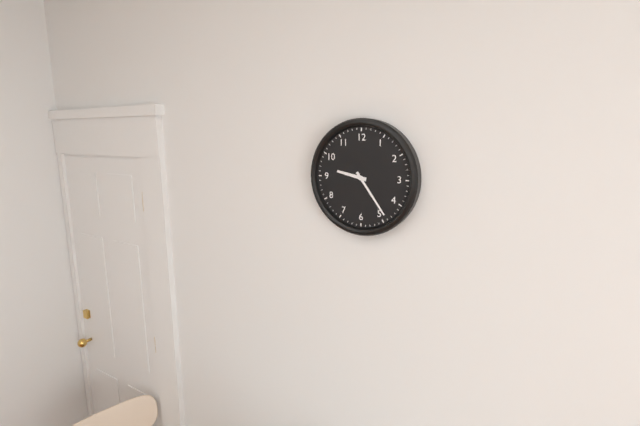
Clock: 9.24
